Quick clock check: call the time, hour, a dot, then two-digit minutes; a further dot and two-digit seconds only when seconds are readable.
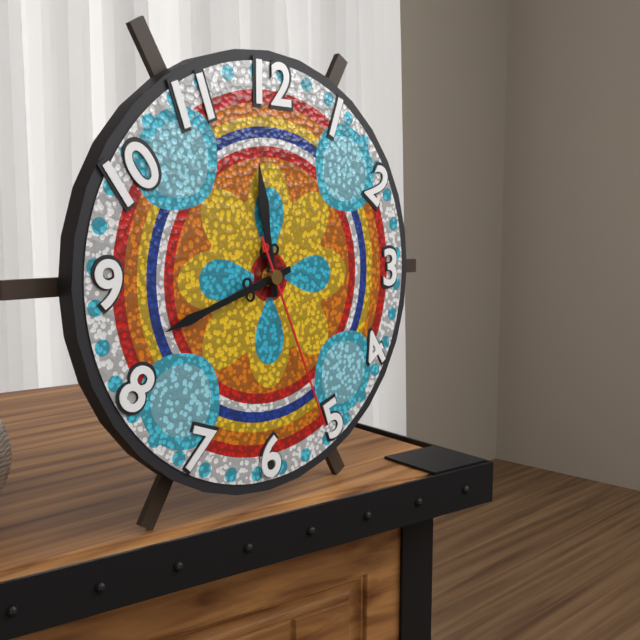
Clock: 11.42.26
